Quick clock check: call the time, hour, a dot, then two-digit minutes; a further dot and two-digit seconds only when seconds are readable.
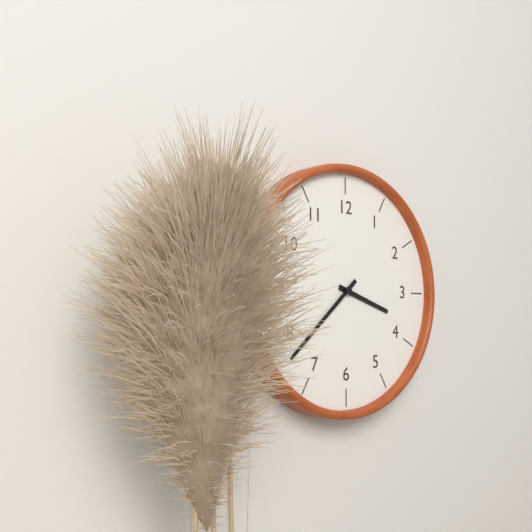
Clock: 3.38
